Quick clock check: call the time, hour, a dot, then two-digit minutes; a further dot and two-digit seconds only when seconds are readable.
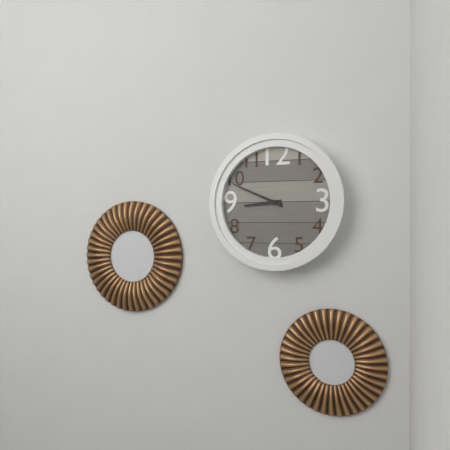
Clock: 8.49
